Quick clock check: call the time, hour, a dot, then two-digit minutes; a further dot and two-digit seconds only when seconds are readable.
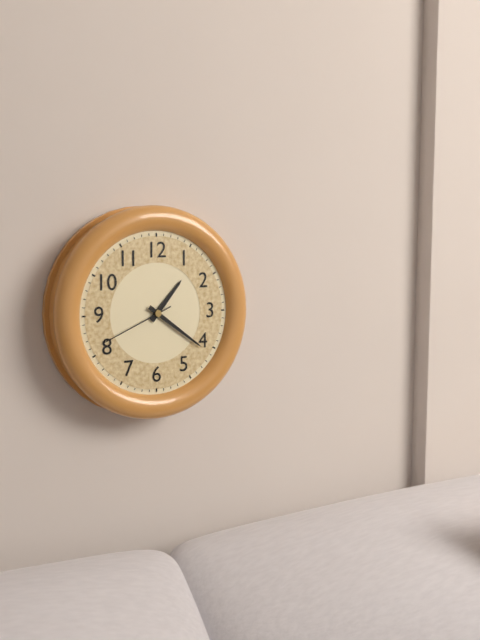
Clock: 1.21.41
